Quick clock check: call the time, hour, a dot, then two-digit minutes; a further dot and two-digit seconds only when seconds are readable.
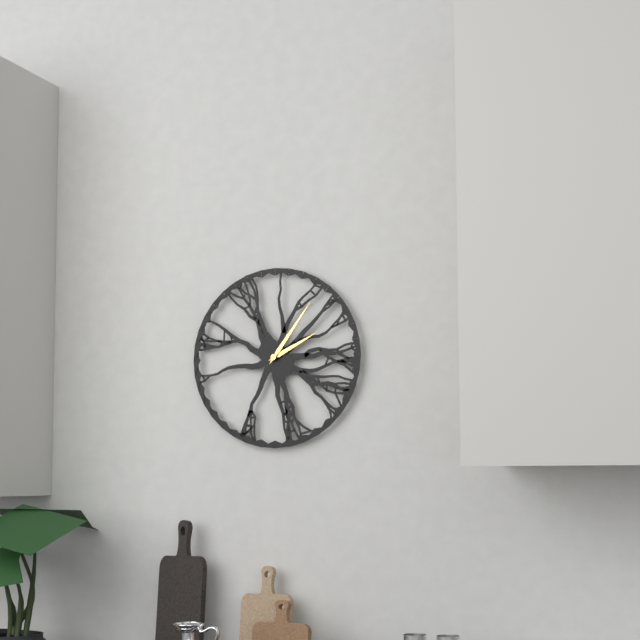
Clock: 2.06
